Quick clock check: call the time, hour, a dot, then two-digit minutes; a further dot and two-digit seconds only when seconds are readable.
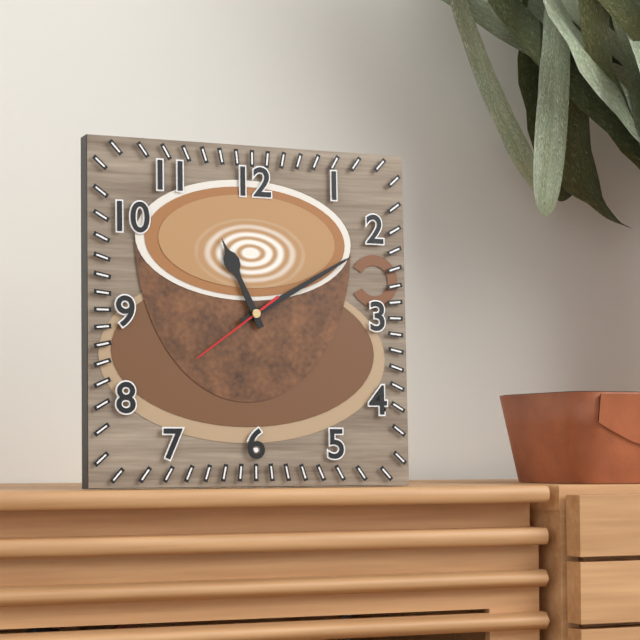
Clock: 11.10.39
